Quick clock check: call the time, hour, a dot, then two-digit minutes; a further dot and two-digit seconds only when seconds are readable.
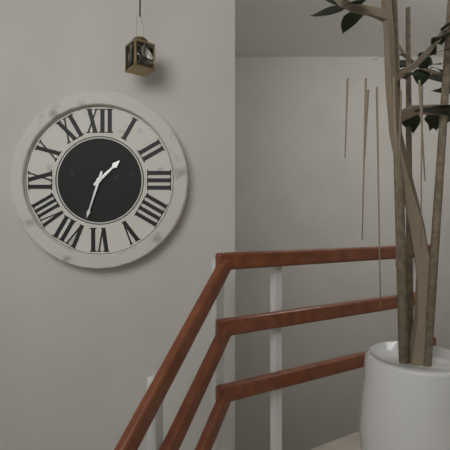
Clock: 1.33
